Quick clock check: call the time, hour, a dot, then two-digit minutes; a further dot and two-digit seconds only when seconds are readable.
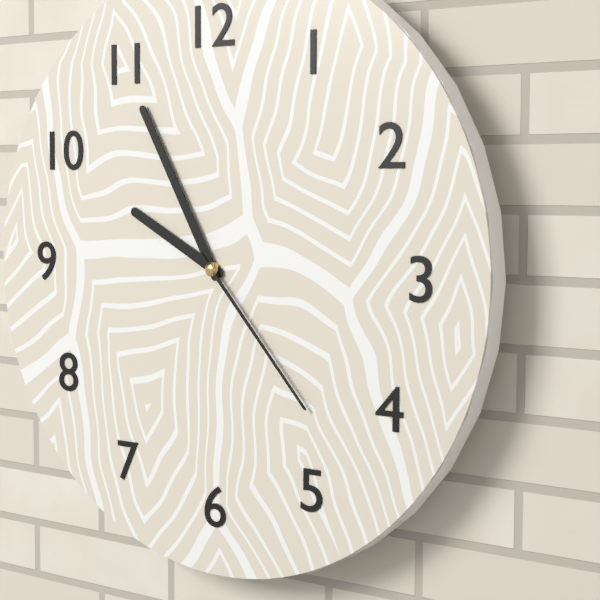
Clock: 9.55.23
